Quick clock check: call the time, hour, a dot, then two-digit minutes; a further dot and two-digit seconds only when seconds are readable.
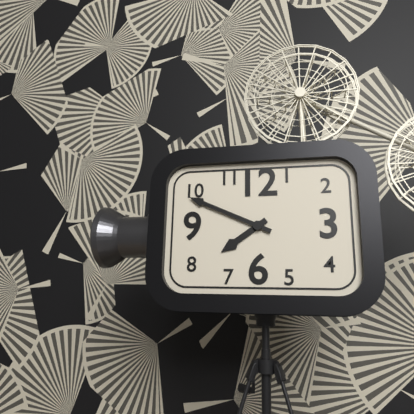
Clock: 7.49
